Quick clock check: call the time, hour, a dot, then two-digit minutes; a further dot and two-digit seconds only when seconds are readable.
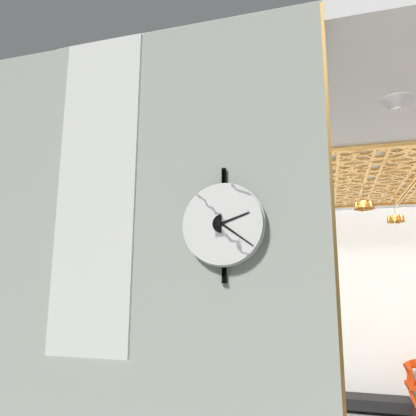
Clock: 2.21
